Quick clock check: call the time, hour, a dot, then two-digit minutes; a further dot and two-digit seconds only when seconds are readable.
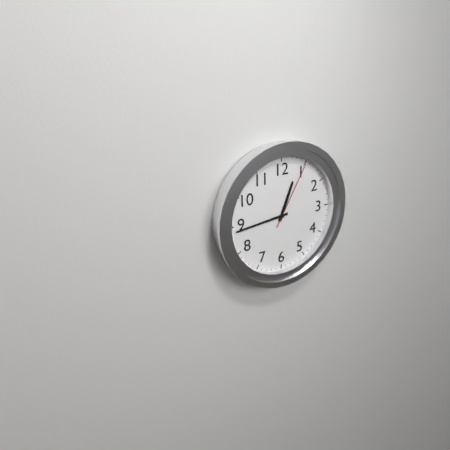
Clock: 12.44.05
